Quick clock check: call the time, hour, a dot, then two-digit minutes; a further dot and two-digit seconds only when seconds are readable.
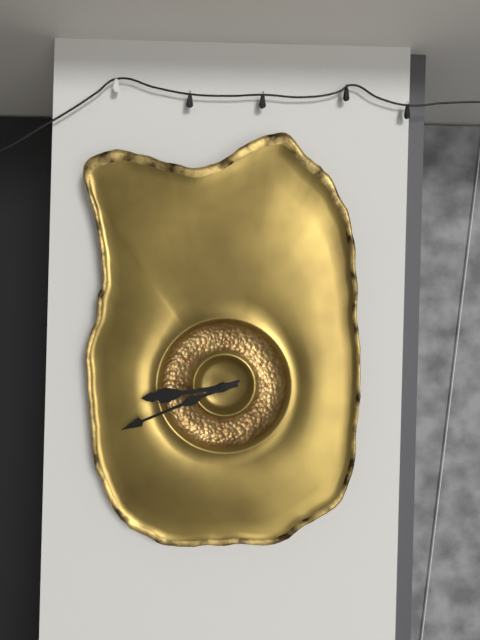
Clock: 8.41
